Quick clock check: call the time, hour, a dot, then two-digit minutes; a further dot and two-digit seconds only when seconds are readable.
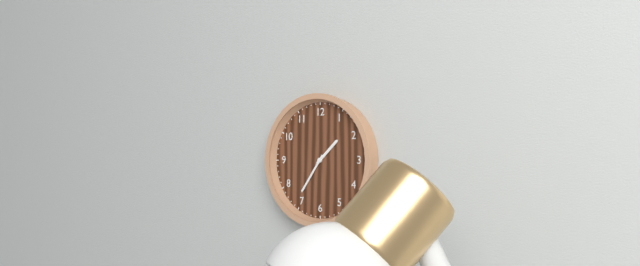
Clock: 1.36
